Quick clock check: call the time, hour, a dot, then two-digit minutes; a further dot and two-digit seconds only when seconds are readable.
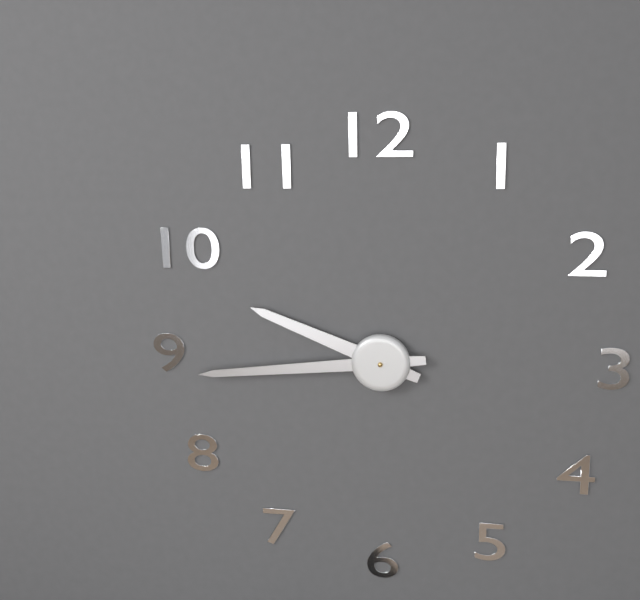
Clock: 9.44
